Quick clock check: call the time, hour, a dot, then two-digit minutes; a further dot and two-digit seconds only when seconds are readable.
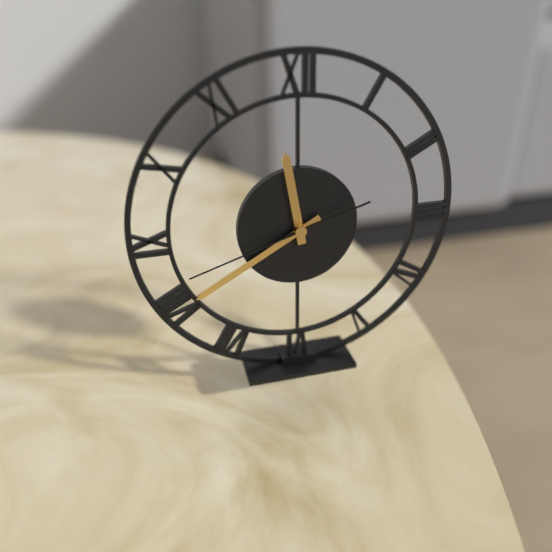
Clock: 11.40.42
